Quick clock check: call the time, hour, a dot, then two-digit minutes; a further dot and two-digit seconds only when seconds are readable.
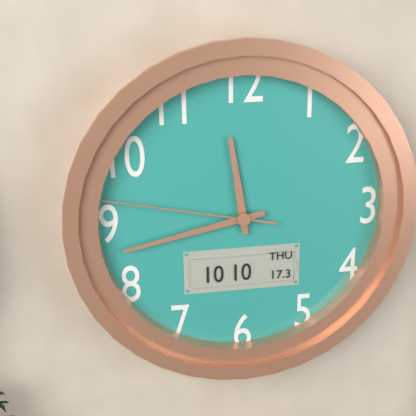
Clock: 11.43.47
